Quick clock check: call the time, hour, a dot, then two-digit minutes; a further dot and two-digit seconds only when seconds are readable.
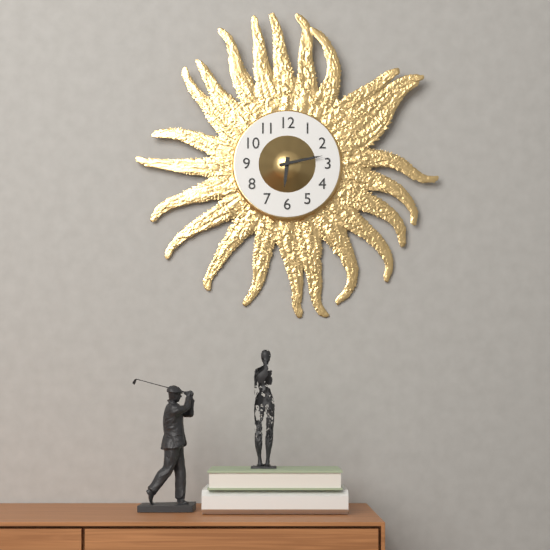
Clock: 6.13
